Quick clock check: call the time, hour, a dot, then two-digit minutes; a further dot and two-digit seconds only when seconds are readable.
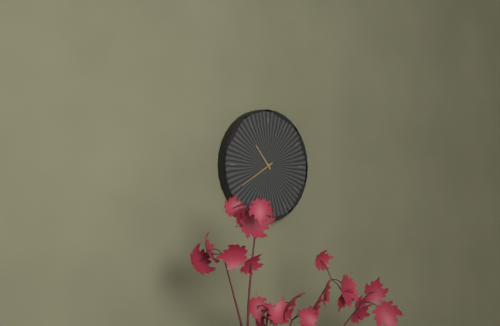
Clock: 10.40
